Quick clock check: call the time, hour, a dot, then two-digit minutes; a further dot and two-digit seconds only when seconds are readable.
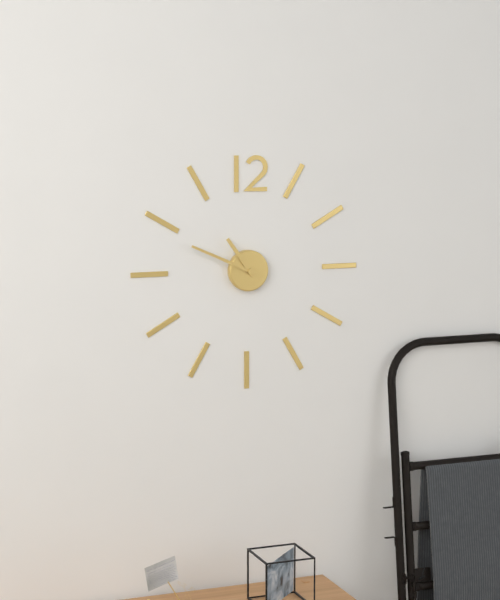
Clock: 10.49
